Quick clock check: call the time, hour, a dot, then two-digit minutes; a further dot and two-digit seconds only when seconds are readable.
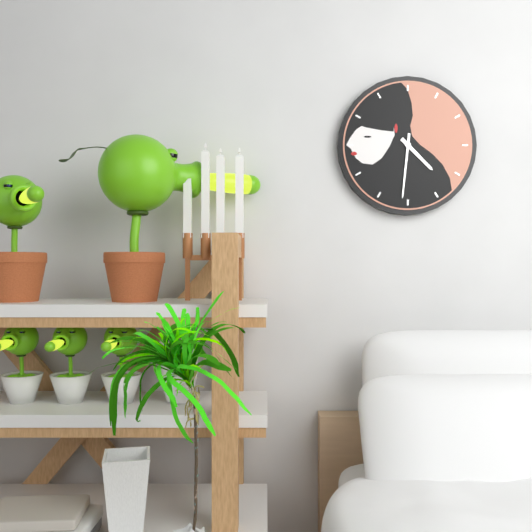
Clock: 4.31
